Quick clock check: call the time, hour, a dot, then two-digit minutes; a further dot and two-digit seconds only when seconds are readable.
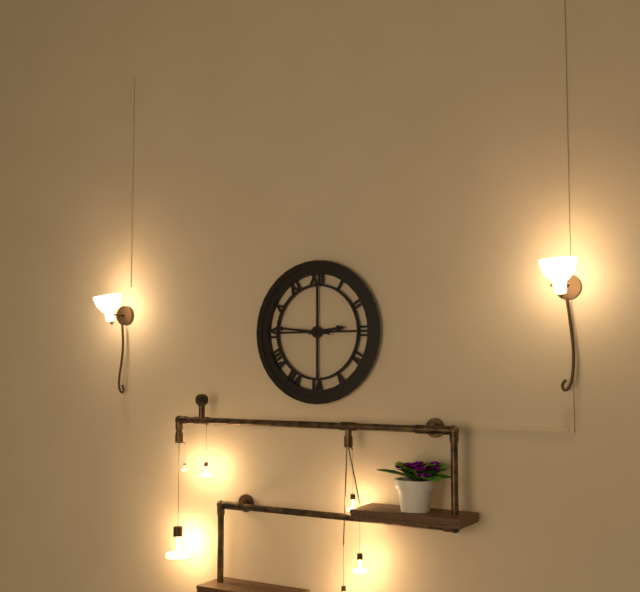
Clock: 2.46
